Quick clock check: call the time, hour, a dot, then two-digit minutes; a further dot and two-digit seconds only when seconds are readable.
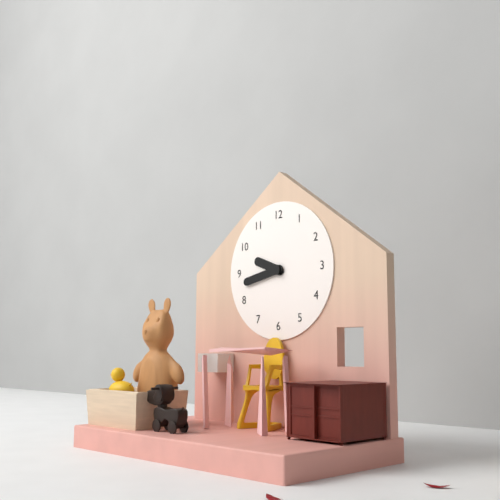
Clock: 9.43
